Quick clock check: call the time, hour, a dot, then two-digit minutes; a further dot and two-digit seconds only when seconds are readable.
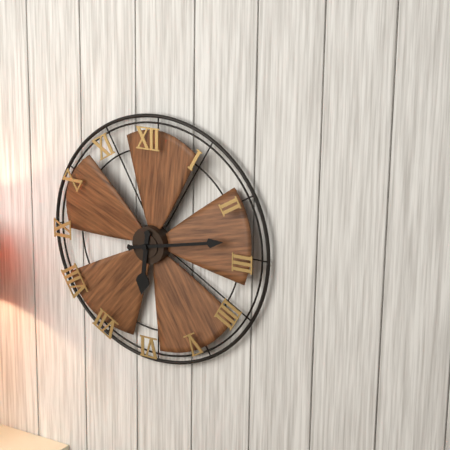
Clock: 6.13
